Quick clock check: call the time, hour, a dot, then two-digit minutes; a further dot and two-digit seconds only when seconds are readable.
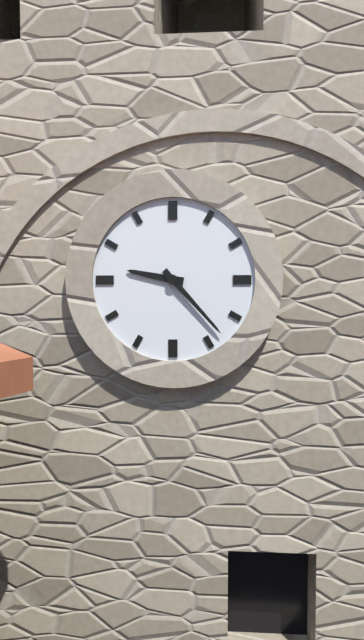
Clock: 9.23
